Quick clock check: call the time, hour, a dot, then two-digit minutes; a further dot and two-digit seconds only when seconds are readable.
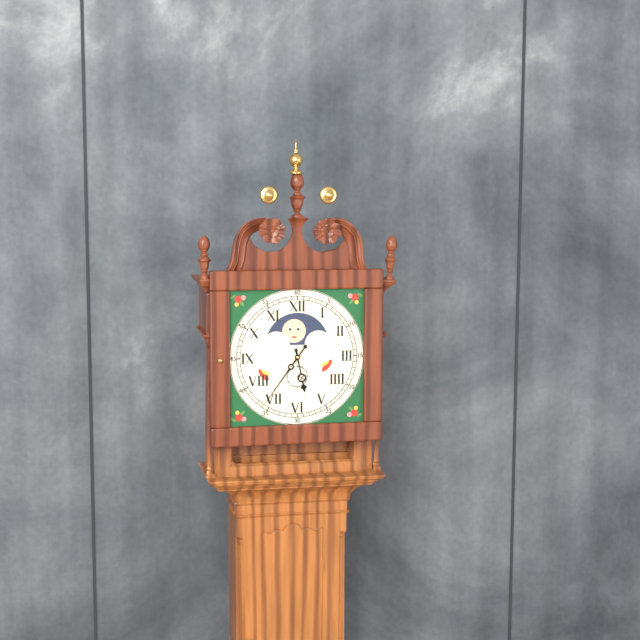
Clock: 5.36
